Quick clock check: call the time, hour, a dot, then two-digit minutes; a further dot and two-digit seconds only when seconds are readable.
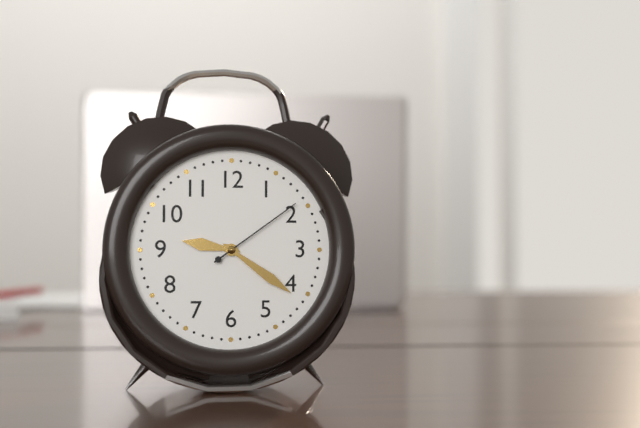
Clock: 9.21.09
